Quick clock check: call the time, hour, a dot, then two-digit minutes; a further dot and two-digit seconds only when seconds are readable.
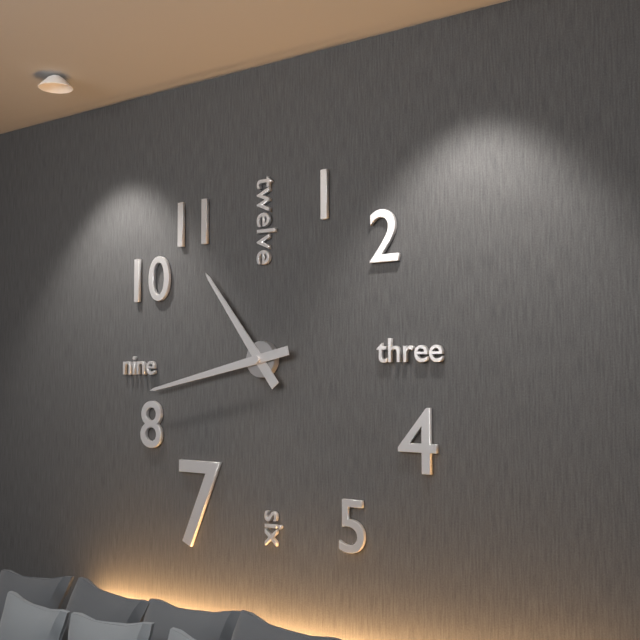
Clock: 10.43
